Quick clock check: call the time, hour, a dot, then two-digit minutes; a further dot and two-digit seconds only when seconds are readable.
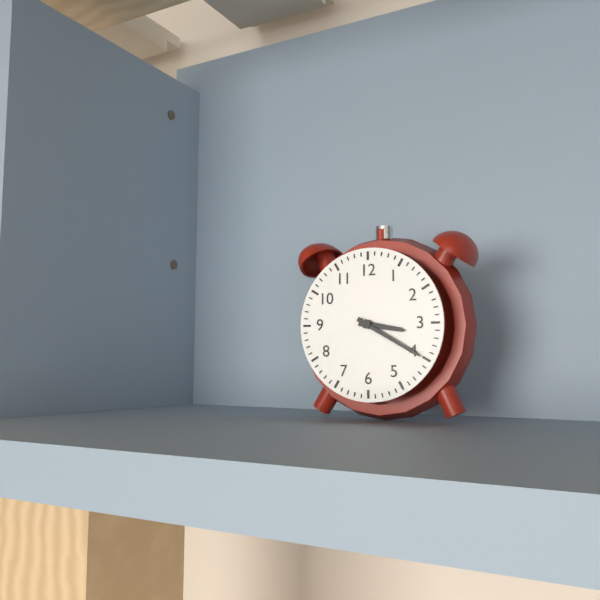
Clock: 3.20
